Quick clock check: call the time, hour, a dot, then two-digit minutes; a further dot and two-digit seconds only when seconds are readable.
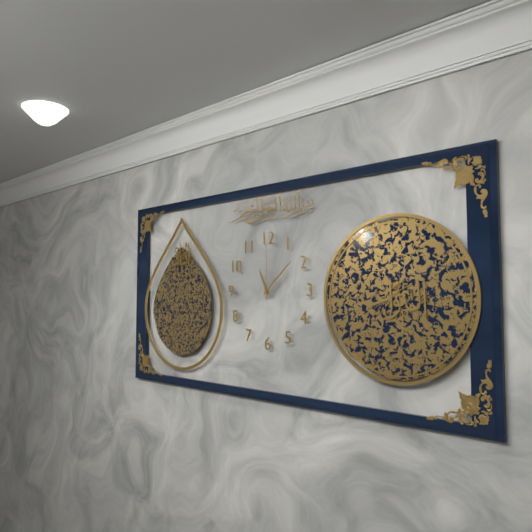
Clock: 11.08.00
